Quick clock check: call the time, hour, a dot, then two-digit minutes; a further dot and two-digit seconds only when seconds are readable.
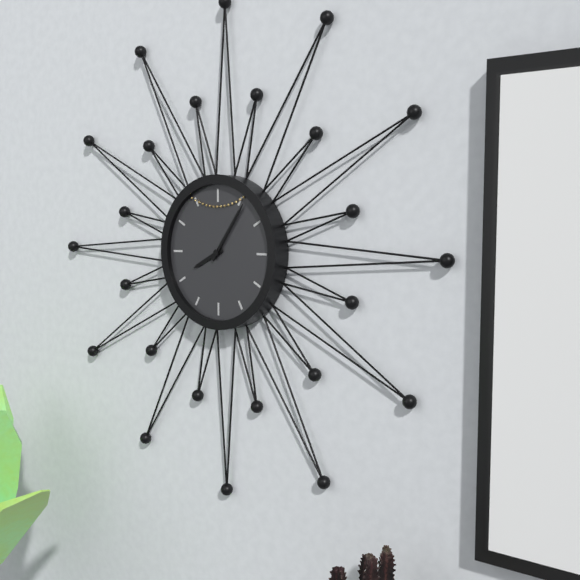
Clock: 8.06
